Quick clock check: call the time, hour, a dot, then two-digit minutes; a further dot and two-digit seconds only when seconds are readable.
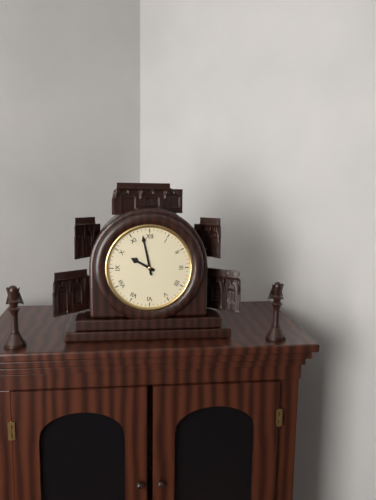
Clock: 9.58
